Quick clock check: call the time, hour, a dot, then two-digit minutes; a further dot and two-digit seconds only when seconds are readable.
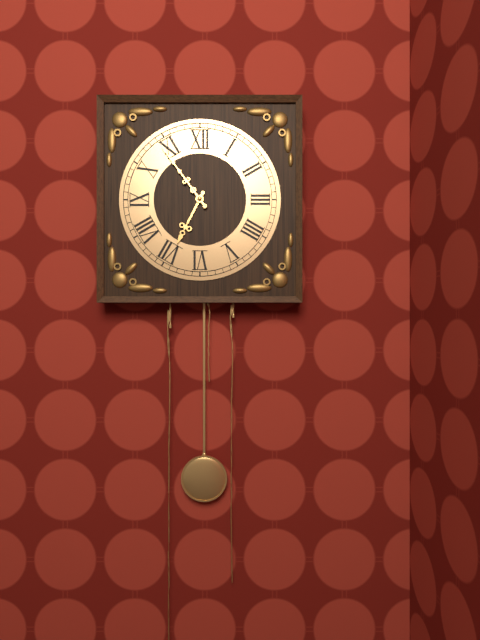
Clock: 6.54
